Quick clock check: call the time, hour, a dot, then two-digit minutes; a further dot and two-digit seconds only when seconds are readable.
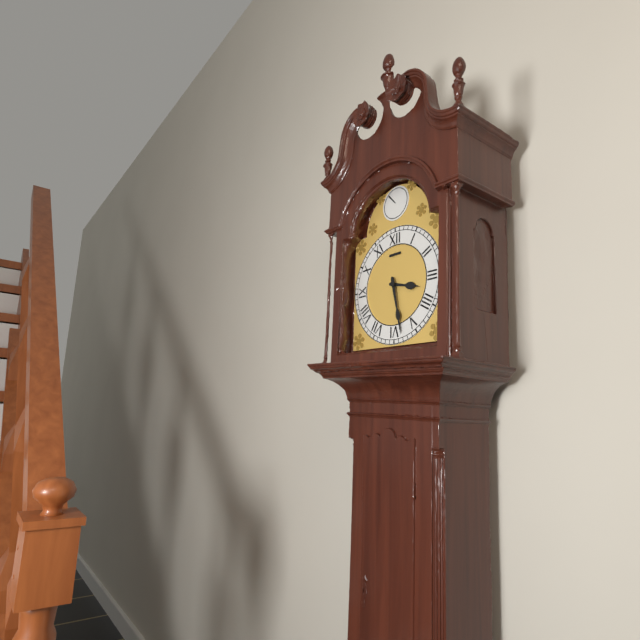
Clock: 3.28
